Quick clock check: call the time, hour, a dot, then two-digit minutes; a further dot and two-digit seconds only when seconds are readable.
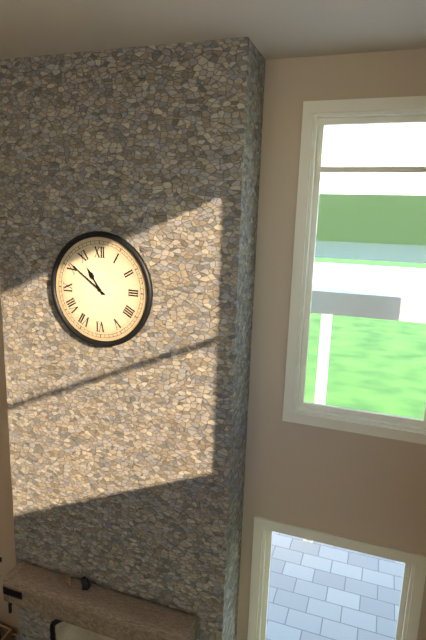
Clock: 10.51
